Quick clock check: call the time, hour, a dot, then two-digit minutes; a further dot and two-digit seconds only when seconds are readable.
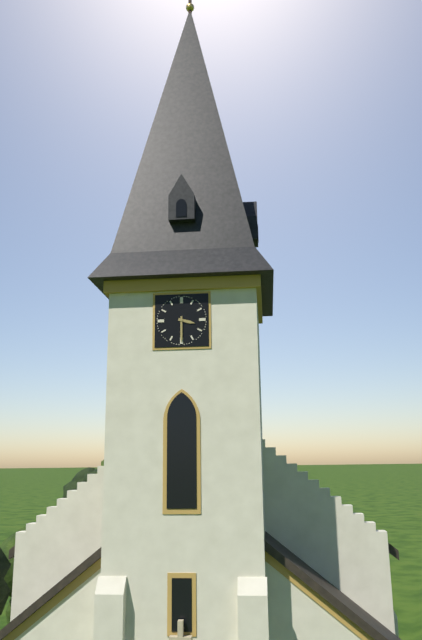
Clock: 3.30
